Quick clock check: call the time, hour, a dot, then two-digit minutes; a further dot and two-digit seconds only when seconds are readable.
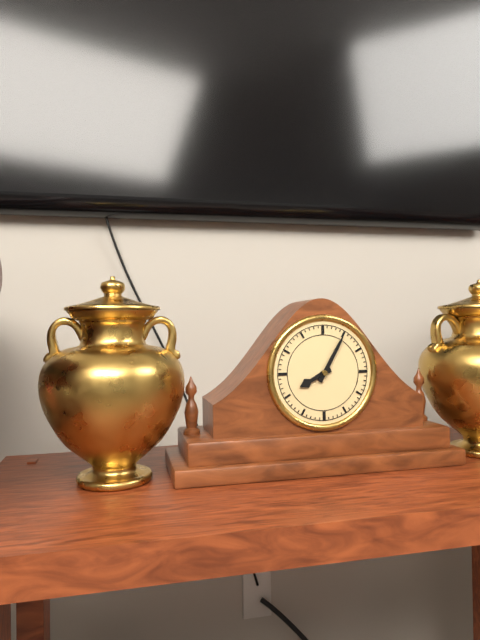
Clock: 8.05
